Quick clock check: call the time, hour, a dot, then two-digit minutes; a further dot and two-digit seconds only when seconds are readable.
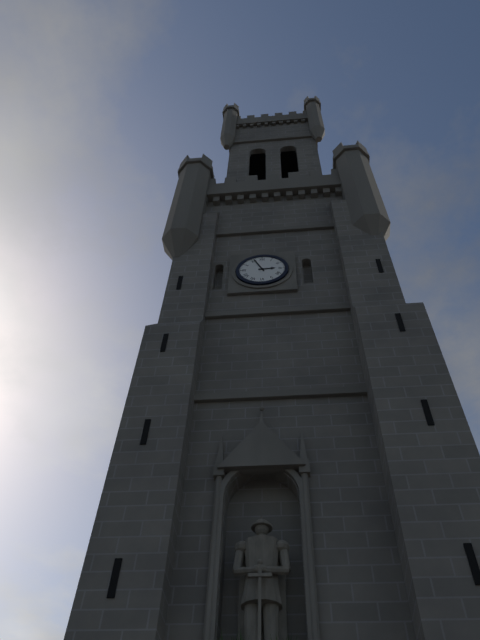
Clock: 2.56
